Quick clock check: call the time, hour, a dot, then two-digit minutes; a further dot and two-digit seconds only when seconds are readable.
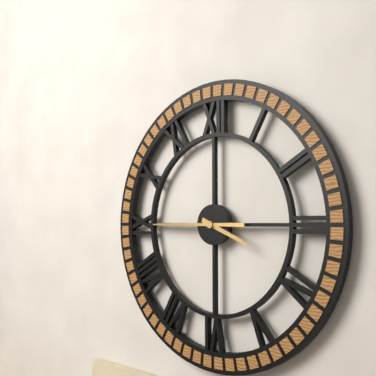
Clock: 3.45
